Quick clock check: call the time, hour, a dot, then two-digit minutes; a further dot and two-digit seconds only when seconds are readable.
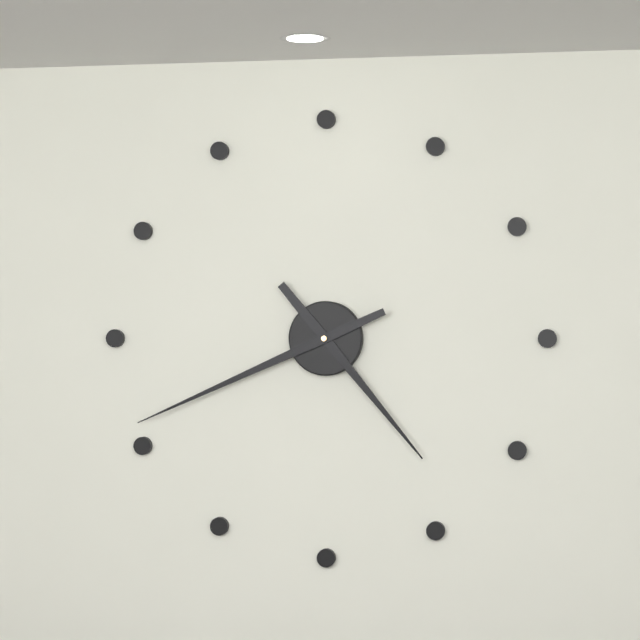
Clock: 4.41
